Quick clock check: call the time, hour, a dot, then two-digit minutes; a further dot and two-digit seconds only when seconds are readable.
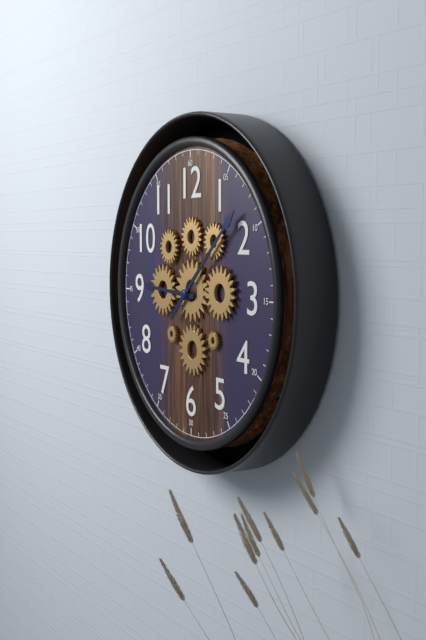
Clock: 9.08
